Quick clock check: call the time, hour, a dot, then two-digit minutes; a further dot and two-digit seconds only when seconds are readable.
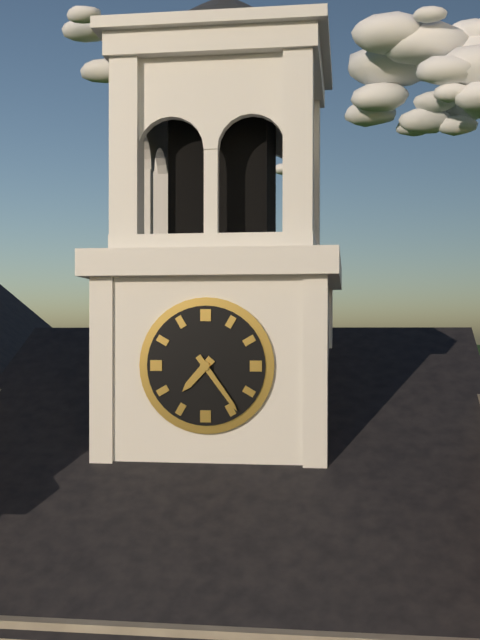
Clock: 7.24
